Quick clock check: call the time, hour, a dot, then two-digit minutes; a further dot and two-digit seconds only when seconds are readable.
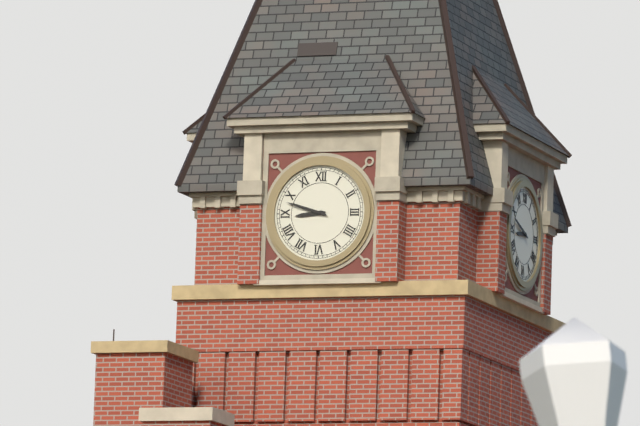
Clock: 8.48
